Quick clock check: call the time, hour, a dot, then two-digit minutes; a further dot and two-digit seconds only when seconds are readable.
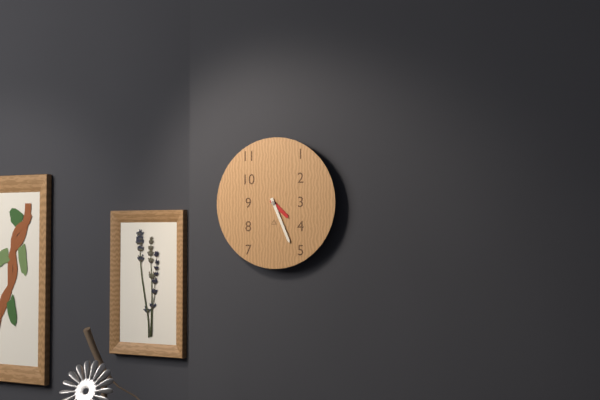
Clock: 4.26
